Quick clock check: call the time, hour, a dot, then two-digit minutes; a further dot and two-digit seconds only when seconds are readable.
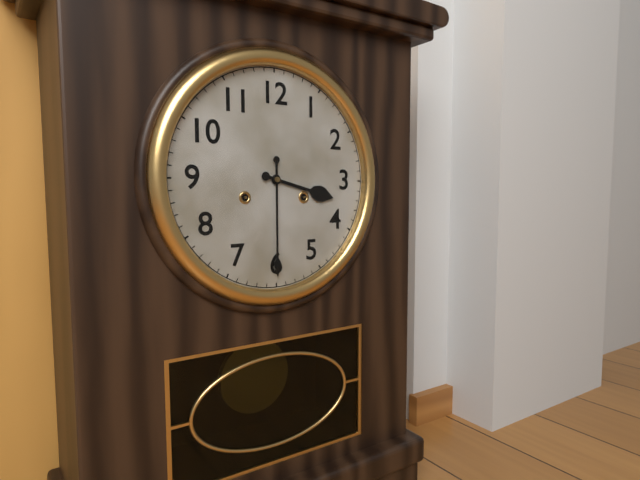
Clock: 3.30
